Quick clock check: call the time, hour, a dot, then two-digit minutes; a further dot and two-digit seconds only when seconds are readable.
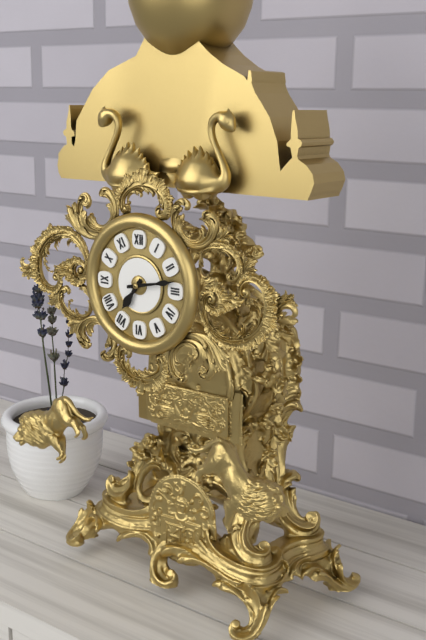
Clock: 7.13
